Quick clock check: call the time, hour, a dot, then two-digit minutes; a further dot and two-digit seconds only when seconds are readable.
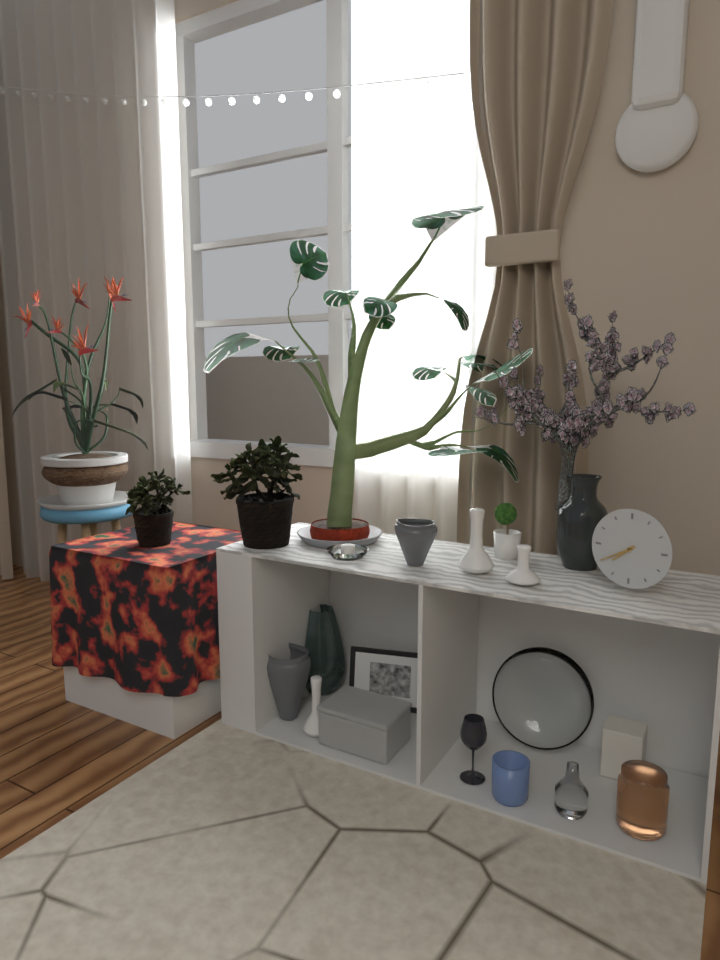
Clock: 7.40
